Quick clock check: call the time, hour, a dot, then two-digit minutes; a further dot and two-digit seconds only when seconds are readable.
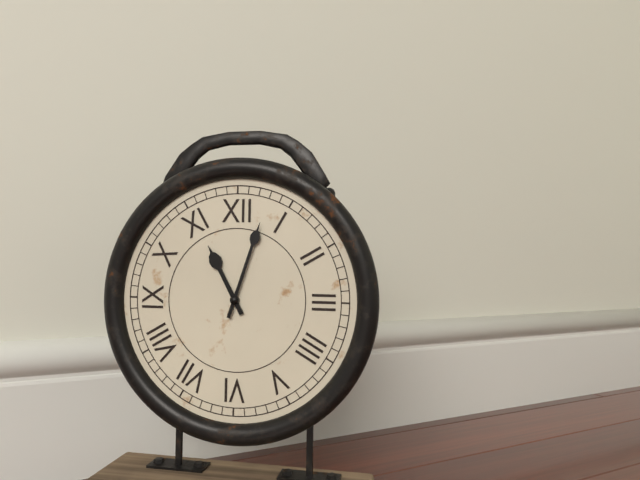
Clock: 11.03
